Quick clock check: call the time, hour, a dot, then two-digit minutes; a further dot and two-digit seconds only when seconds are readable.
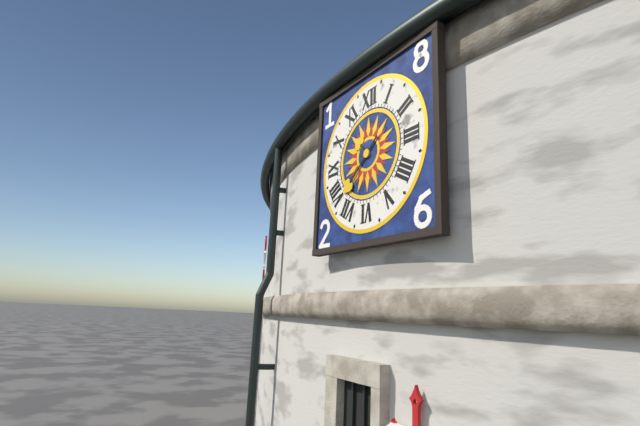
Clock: 10.38
